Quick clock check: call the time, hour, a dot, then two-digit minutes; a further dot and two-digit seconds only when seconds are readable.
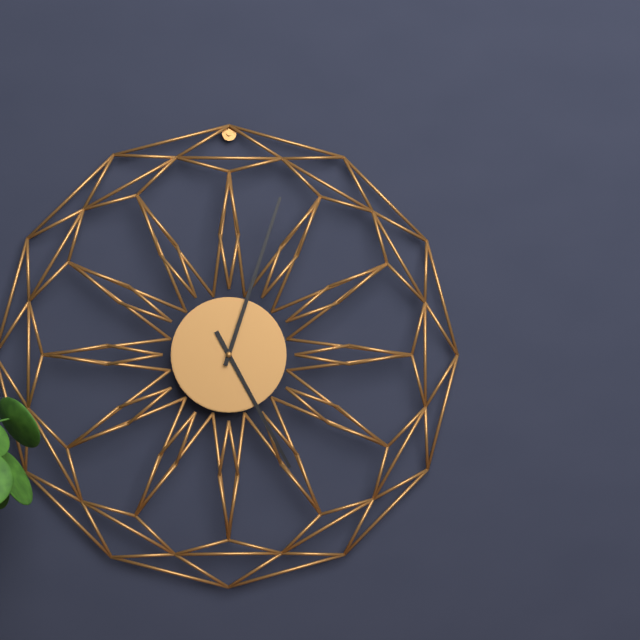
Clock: 5.03
